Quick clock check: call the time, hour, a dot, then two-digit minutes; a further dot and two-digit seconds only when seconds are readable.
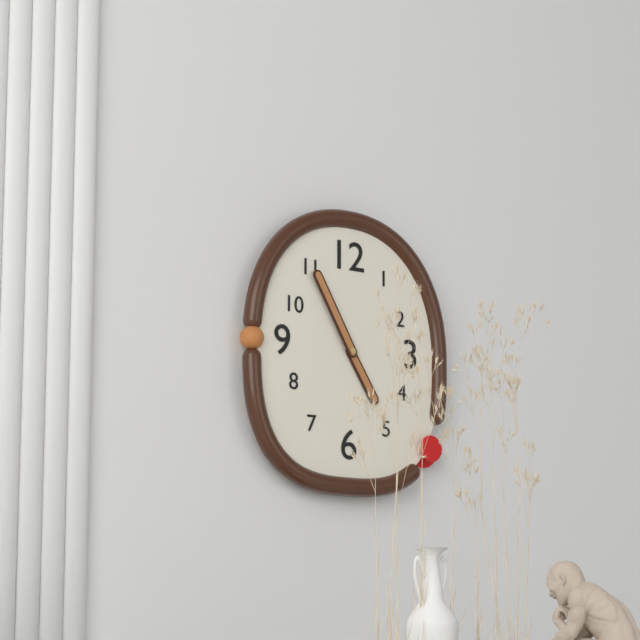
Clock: 4.55
